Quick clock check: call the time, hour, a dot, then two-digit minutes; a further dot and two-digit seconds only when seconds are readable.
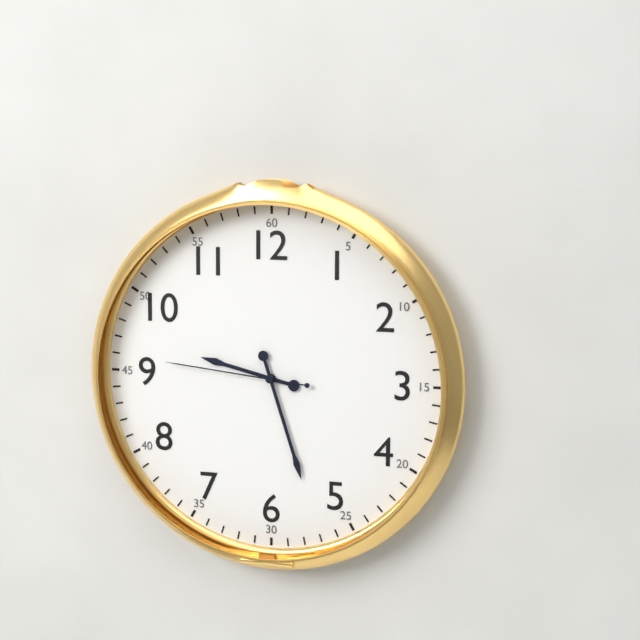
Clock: 9.27.46
